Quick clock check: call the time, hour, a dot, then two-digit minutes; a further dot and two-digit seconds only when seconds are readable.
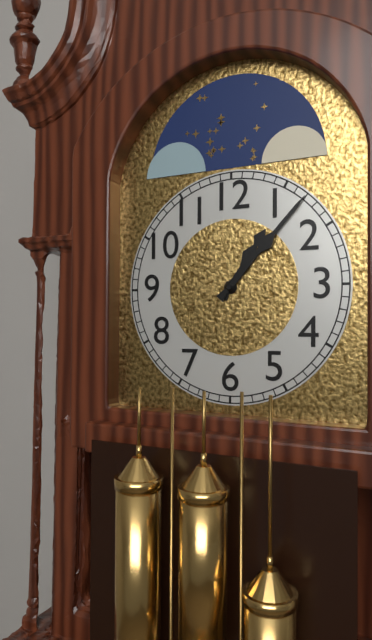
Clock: 1.07
